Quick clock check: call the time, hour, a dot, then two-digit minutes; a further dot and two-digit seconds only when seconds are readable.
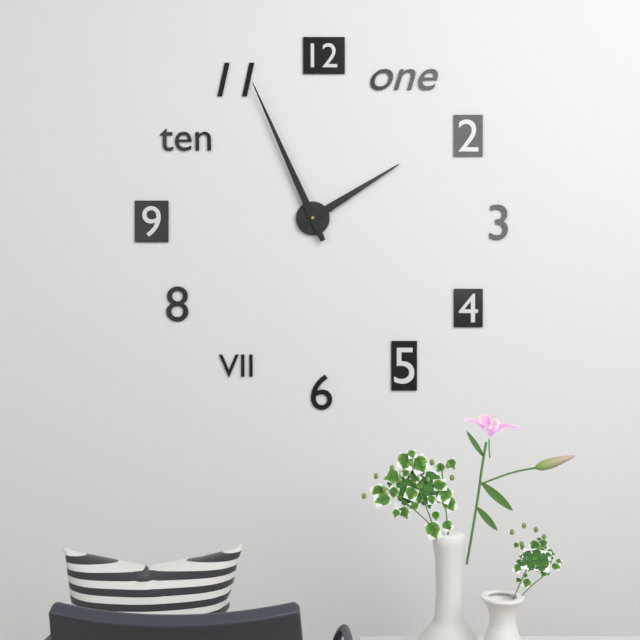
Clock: 1.56
